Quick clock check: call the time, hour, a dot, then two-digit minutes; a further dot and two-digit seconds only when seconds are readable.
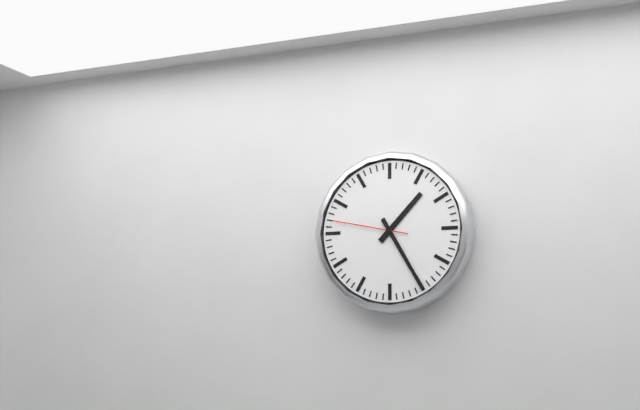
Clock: 1.25.47
